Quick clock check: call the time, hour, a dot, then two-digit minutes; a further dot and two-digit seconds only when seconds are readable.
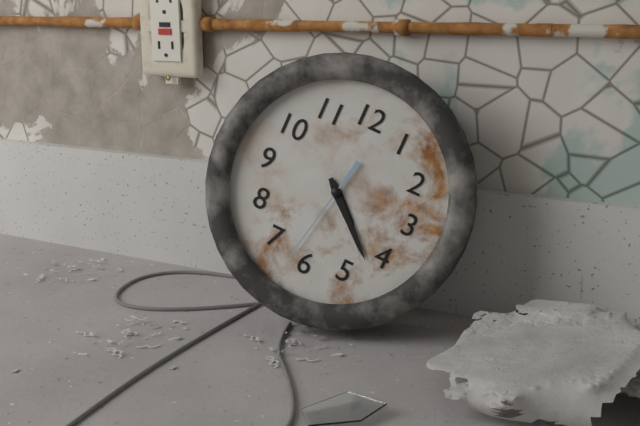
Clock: 4.22.32
